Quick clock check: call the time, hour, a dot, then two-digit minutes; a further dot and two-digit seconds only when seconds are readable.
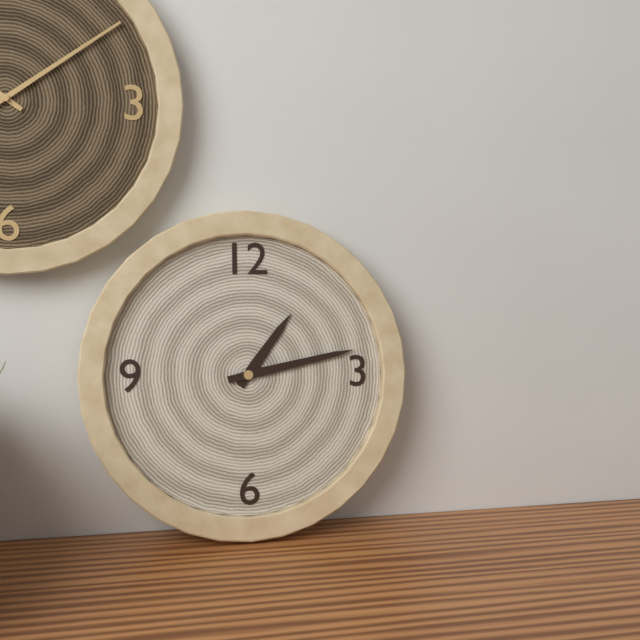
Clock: 1.13
